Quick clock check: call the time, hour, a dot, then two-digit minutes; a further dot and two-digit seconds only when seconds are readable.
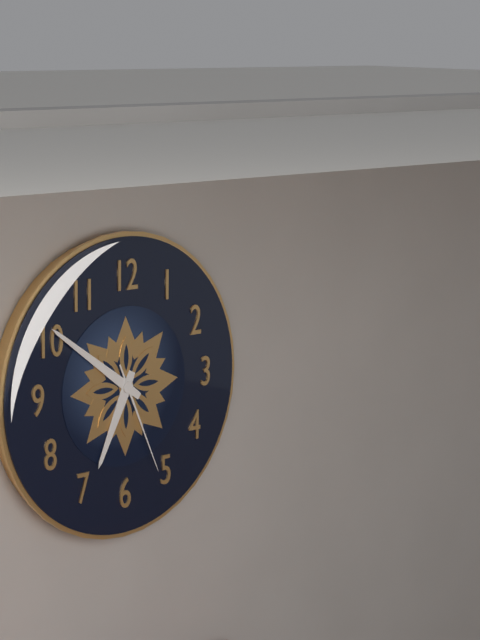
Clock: 6.51.26
